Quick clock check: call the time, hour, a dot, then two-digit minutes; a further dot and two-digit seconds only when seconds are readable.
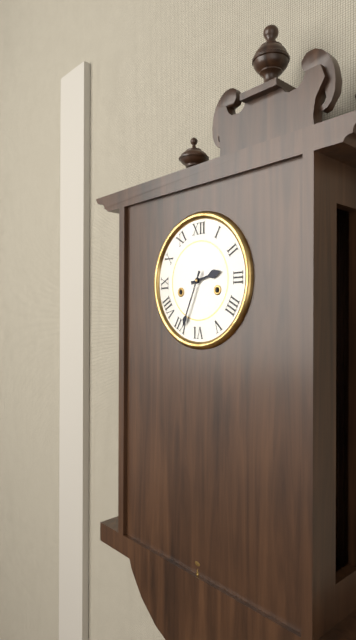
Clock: 2.34
